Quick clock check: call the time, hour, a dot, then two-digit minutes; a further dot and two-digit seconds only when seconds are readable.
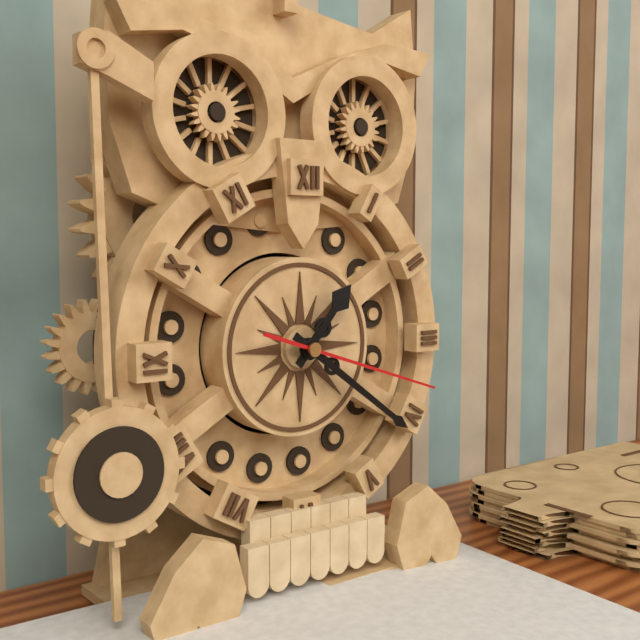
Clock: 1.21.18
